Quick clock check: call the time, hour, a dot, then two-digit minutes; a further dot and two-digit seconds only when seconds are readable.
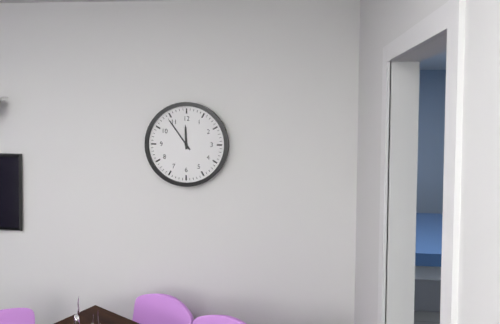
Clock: 11.54
